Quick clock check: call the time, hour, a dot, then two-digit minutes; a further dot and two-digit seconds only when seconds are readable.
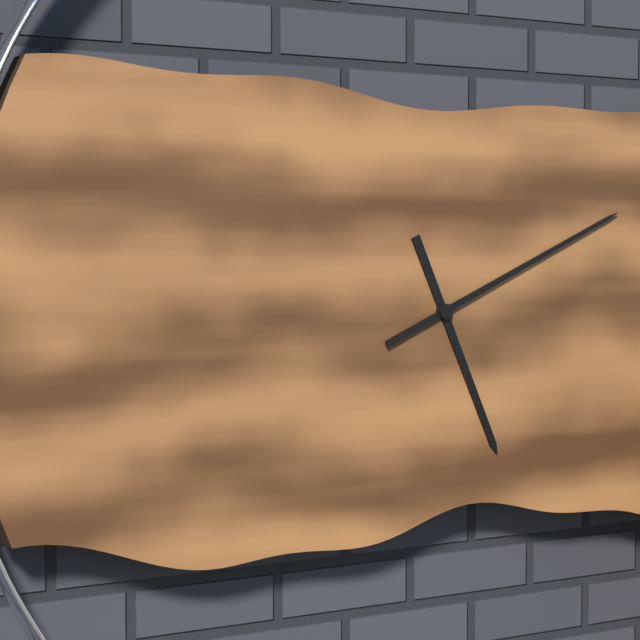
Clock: 5.11
